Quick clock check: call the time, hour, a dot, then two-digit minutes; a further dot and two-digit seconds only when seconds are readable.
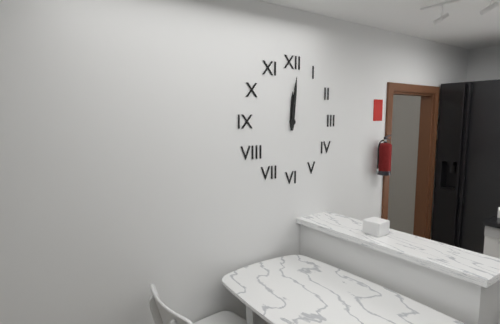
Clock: 12.01
